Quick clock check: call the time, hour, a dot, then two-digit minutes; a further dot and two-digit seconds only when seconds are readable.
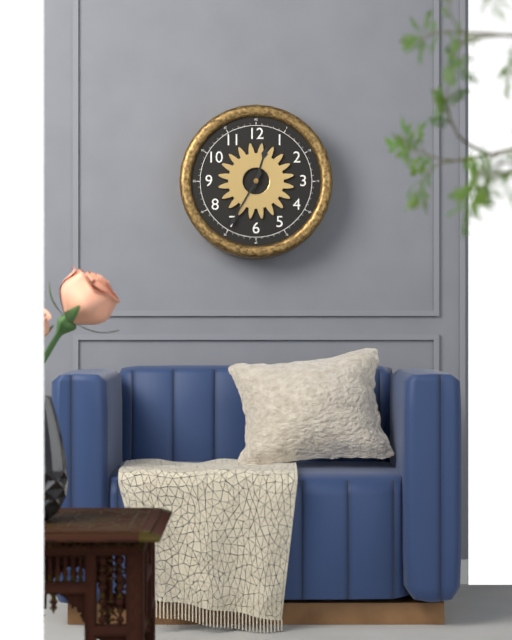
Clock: 12.35
